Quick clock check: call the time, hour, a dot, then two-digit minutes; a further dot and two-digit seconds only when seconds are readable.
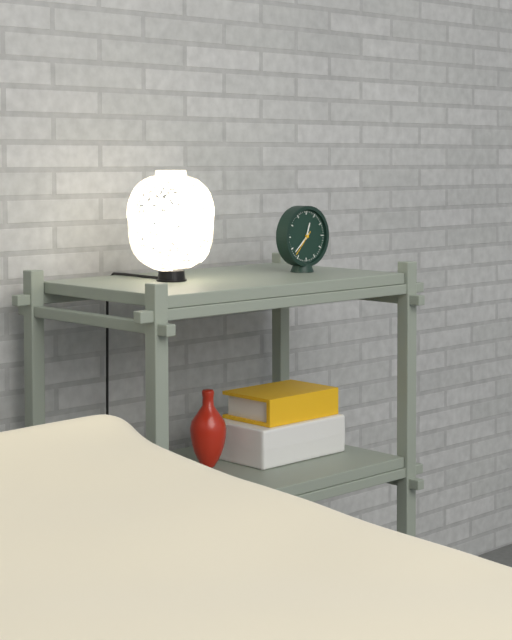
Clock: 12.38
